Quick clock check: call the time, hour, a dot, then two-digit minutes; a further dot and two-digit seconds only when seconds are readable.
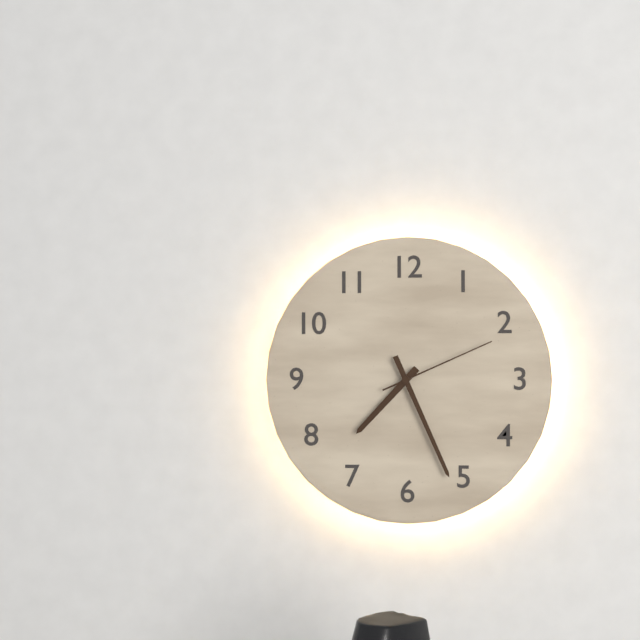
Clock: 7.26.11
